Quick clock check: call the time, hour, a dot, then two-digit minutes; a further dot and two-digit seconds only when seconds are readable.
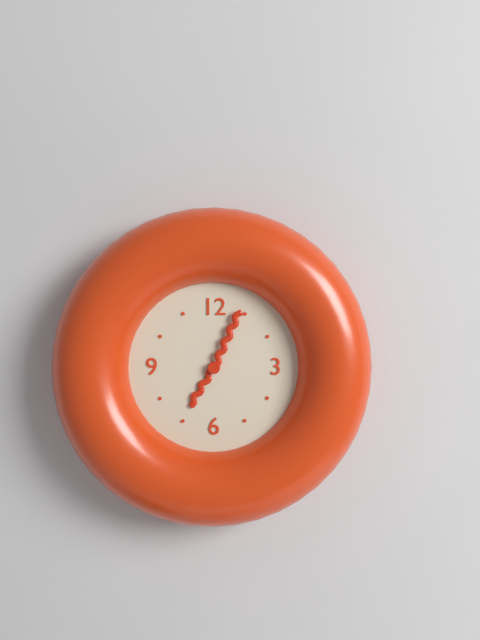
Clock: 7.04
